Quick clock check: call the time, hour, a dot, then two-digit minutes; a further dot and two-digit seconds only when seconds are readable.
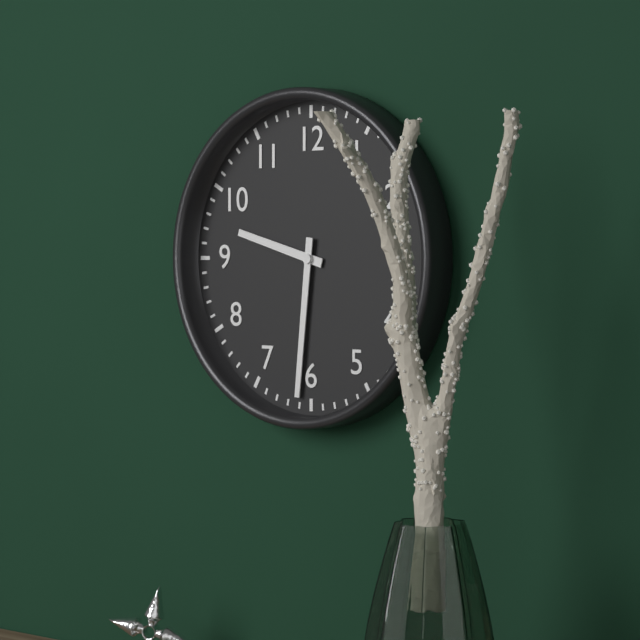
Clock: 9.31
